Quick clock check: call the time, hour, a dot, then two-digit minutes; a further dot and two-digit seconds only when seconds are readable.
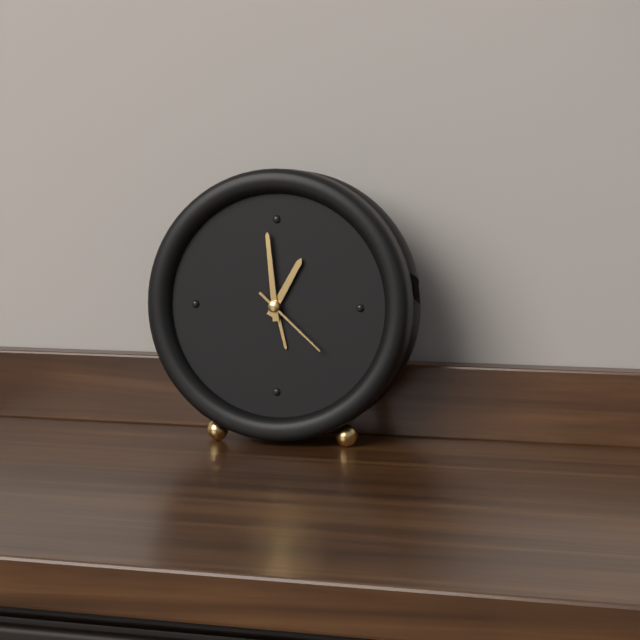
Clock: 12.59.22
